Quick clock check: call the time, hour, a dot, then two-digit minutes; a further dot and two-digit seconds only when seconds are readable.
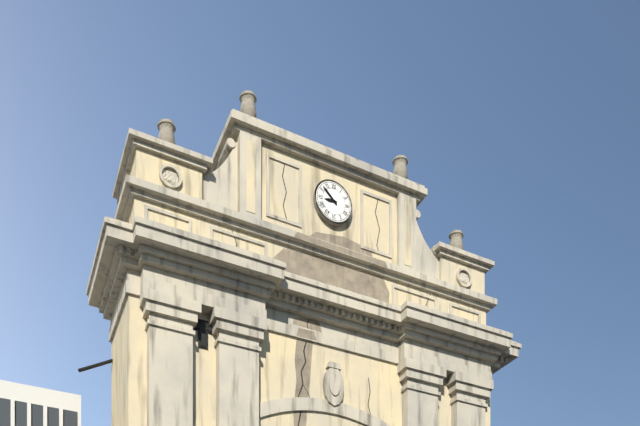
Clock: 8.52
